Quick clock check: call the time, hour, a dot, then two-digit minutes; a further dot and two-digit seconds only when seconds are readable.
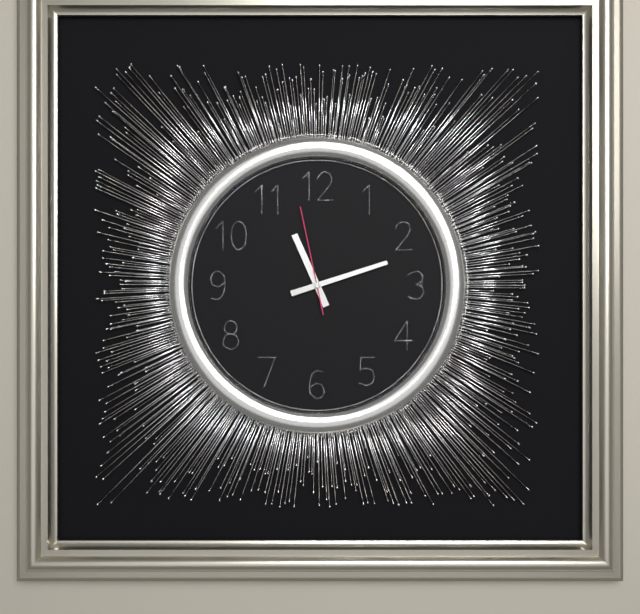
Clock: 11.12.58
